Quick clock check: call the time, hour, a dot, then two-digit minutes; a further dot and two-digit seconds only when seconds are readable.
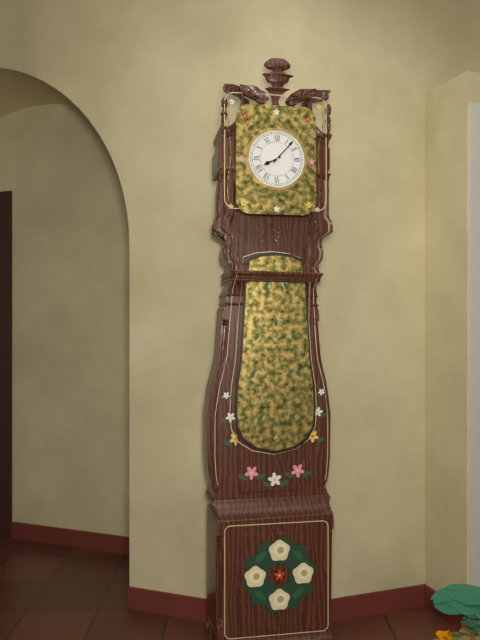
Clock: 8.07
